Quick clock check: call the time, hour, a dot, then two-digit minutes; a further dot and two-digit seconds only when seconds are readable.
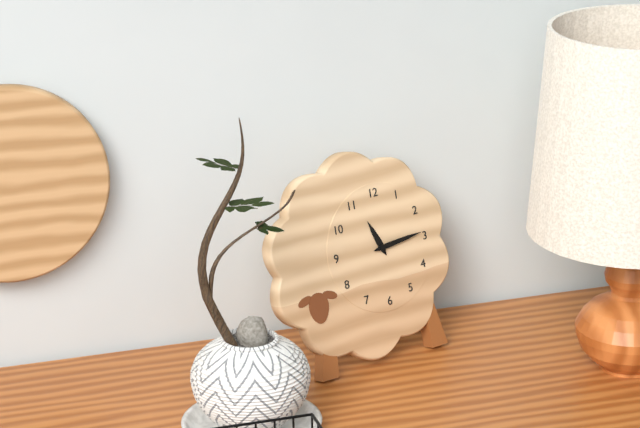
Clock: 11.14
